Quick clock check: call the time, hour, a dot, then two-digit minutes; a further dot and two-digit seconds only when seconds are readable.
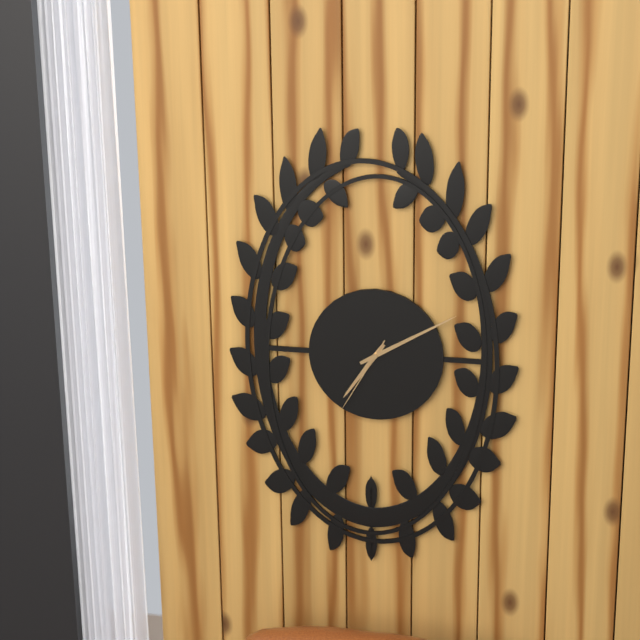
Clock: 7.10.35
